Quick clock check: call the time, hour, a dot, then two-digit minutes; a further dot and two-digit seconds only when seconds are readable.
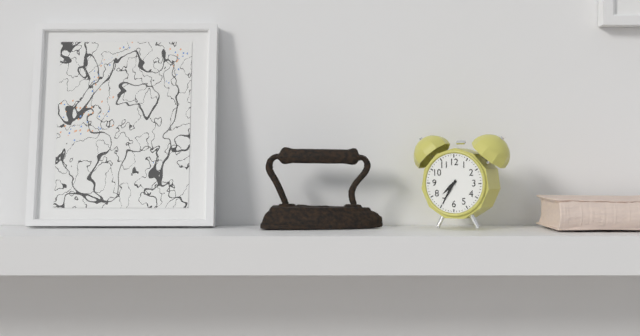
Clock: 7.35
